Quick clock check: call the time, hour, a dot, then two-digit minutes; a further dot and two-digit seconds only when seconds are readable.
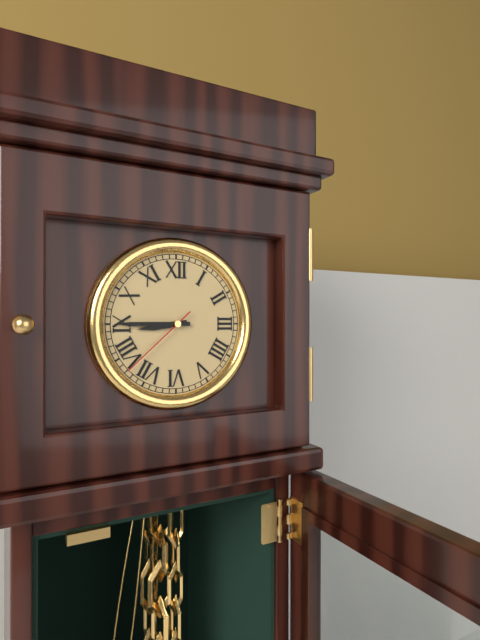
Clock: 8.45.38
